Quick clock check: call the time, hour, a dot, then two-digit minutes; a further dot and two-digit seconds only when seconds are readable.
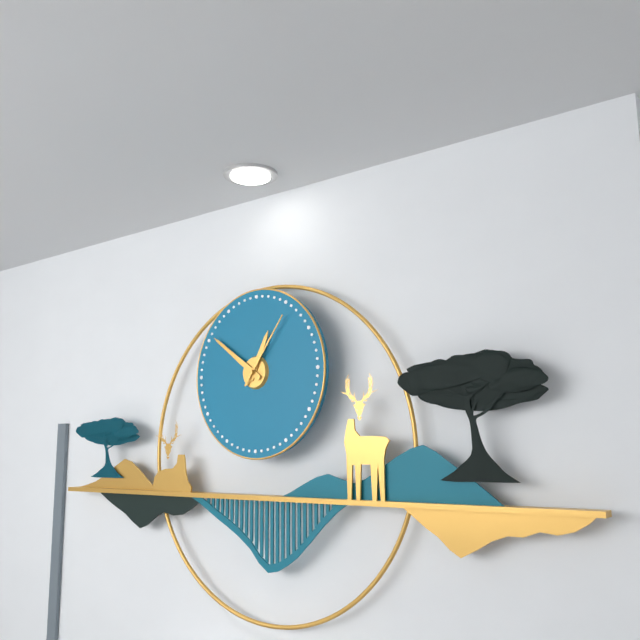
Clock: 12.51.06
